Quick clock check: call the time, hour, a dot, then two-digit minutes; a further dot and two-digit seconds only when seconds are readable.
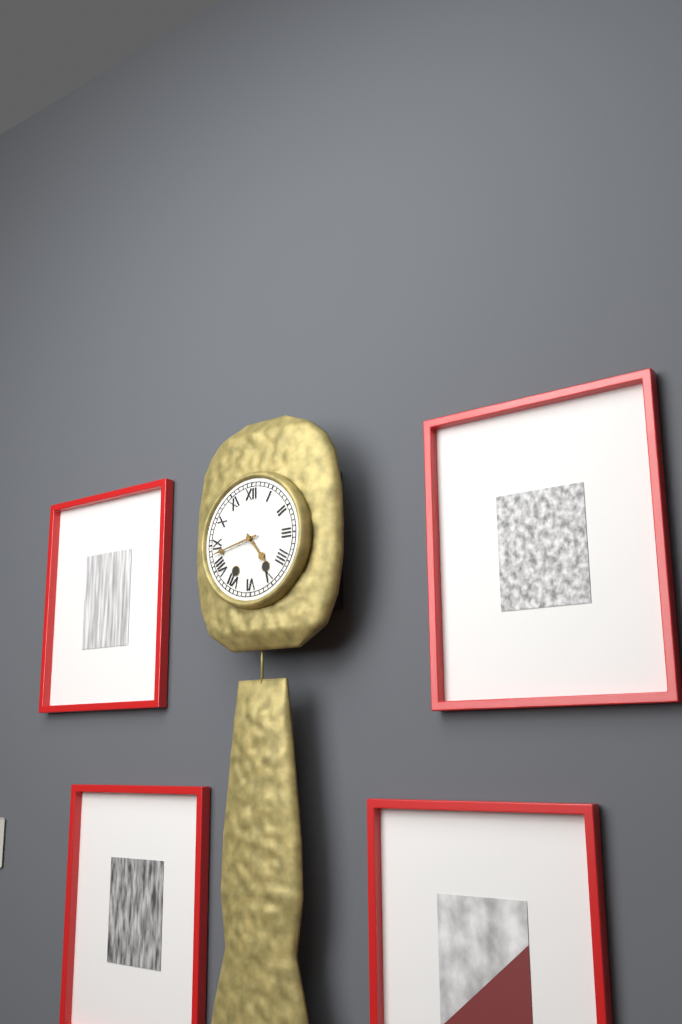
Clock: 4.43
